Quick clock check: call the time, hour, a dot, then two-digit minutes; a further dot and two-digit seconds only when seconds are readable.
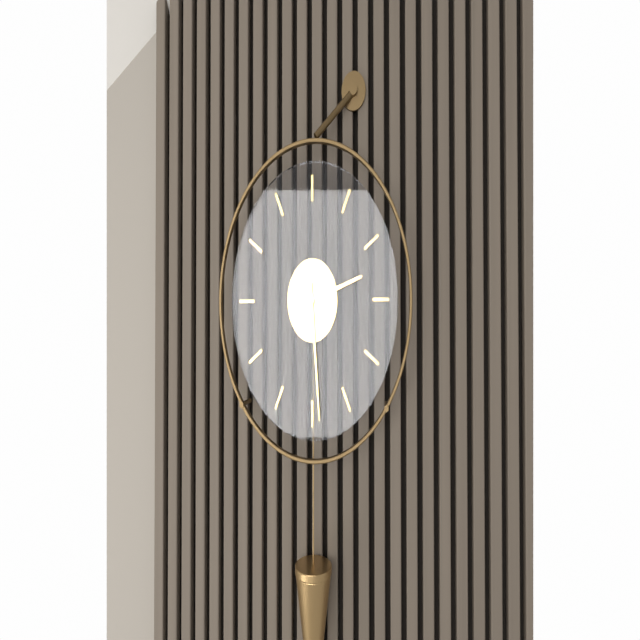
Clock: 2.29
